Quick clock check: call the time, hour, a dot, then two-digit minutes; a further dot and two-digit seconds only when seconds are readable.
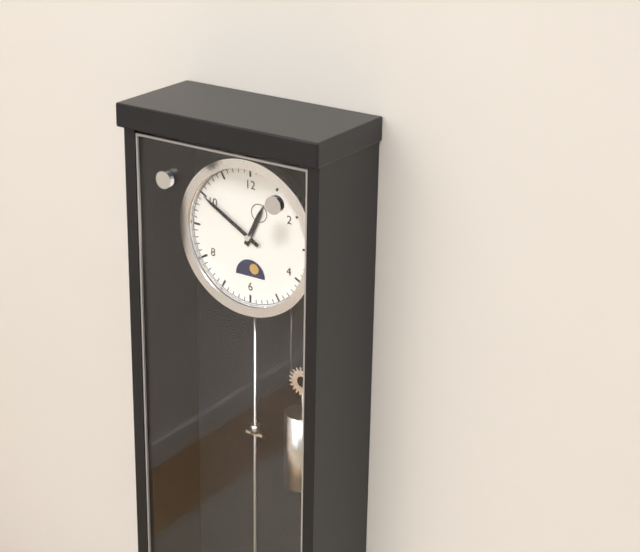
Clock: 12.50
